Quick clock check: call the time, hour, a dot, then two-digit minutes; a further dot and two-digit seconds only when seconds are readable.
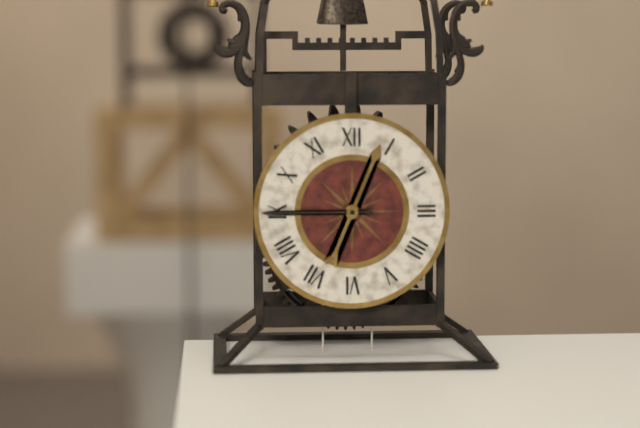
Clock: 12.45
